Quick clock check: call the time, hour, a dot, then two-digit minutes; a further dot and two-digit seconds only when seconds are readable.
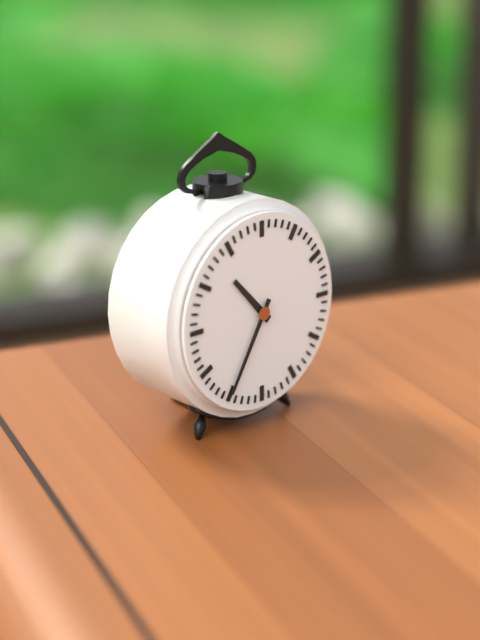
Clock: 10.35
